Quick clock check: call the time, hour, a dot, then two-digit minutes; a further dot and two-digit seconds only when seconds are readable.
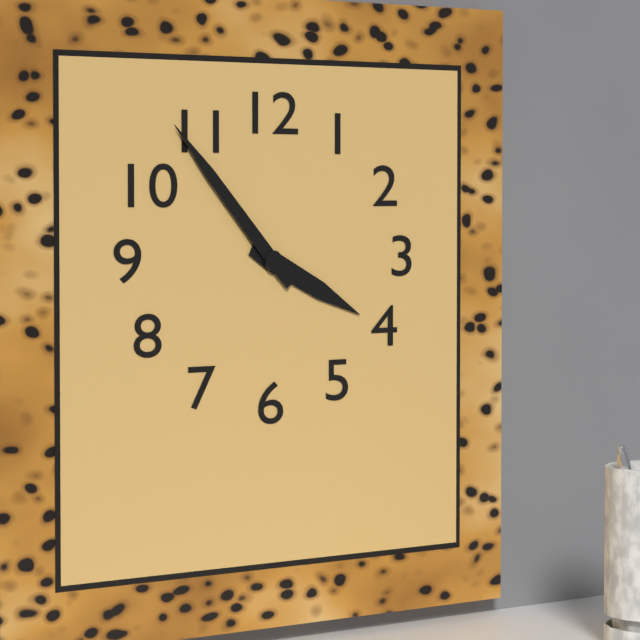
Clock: 3.53
